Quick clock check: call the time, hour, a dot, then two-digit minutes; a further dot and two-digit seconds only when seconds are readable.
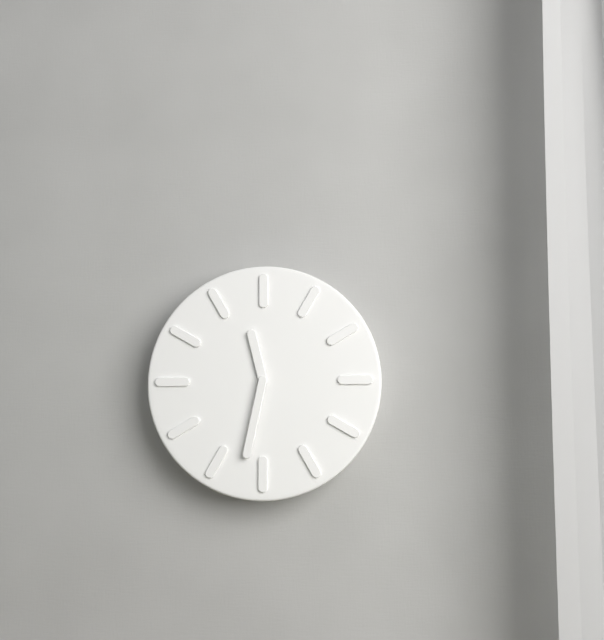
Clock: 11.32
